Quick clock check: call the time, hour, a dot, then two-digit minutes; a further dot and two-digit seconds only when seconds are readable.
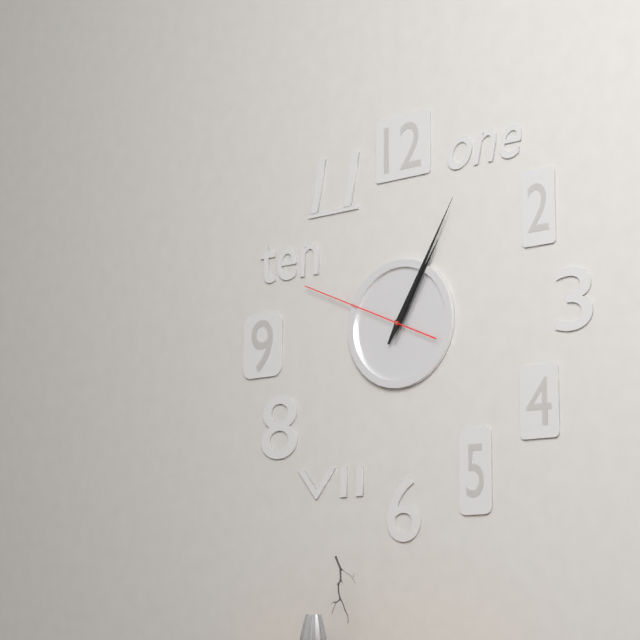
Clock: 1.05.49
